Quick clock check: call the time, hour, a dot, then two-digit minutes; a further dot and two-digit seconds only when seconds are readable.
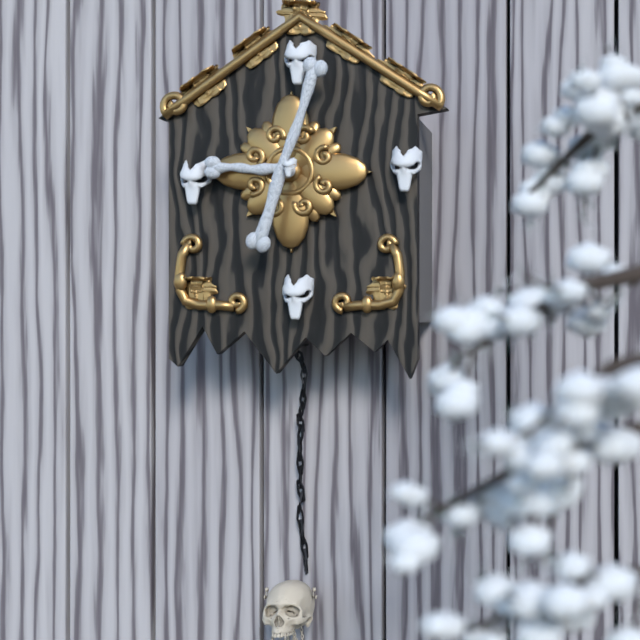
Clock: 9.03
